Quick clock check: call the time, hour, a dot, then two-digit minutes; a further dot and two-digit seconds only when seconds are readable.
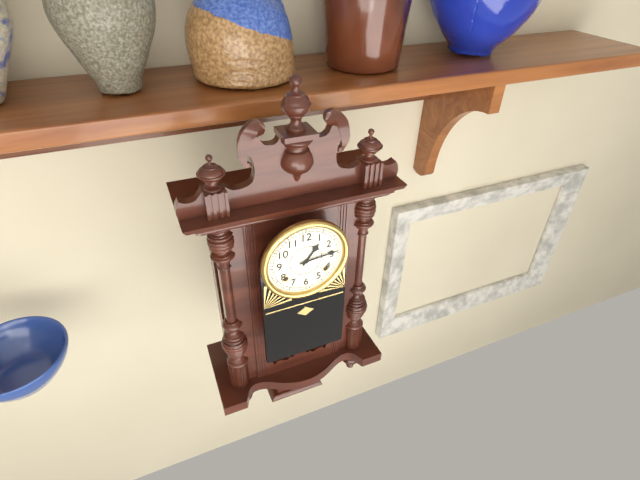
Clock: 1.14
